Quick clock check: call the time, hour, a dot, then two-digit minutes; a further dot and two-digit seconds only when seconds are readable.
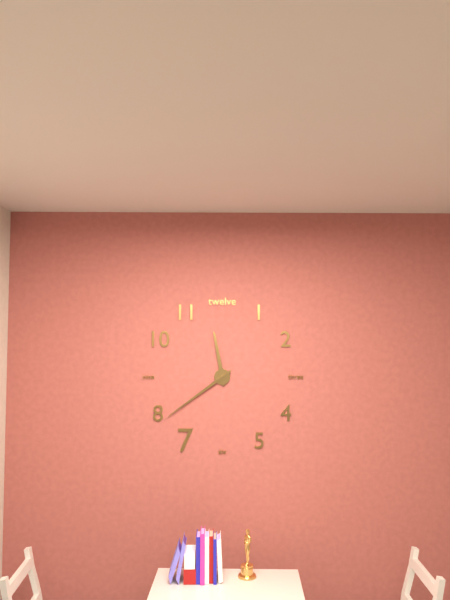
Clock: 11.39
